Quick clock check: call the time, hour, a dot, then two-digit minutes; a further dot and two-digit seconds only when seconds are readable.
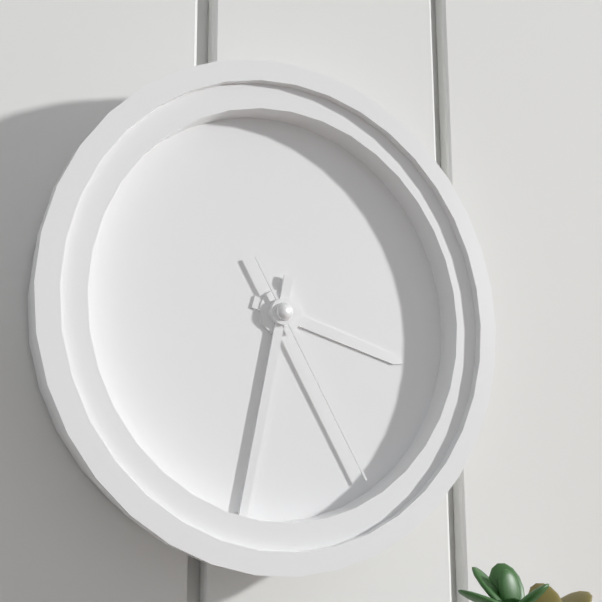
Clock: 3.32.25
